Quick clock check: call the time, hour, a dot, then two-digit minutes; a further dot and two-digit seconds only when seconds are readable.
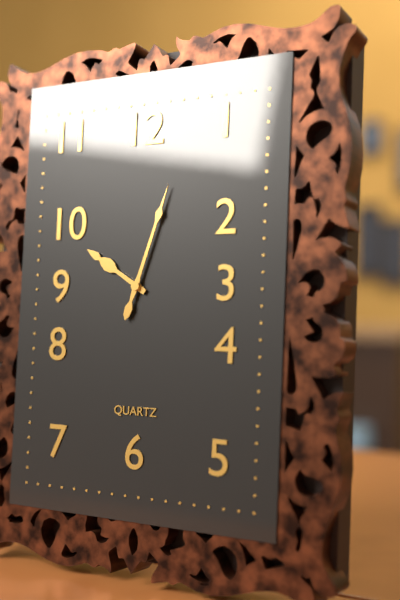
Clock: 10.03
